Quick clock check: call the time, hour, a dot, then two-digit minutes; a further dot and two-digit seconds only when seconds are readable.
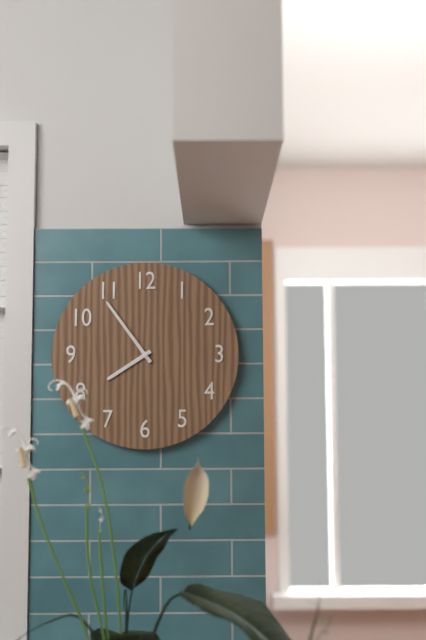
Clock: 7.54
